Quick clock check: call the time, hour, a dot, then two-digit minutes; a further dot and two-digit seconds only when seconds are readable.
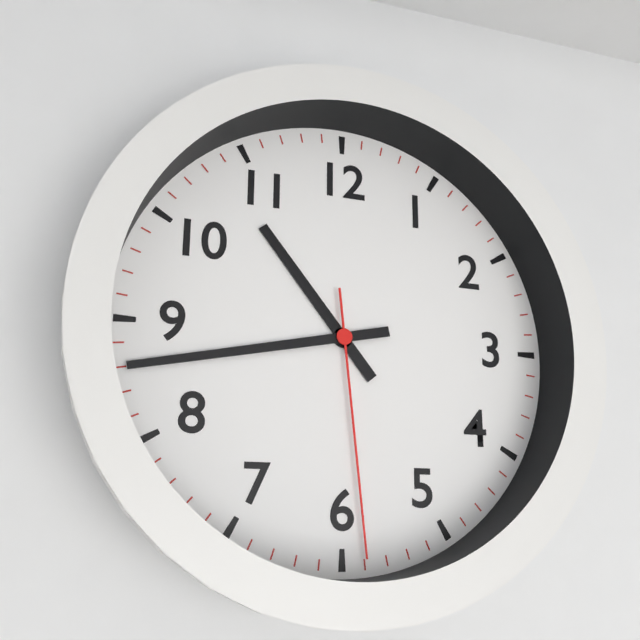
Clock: 10.43.29
